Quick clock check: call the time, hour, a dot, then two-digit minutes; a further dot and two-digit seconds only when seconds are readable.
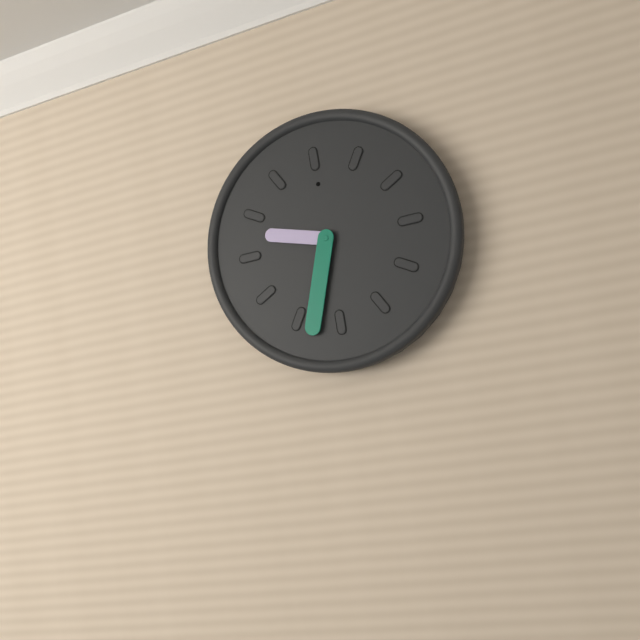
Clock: 9.33
